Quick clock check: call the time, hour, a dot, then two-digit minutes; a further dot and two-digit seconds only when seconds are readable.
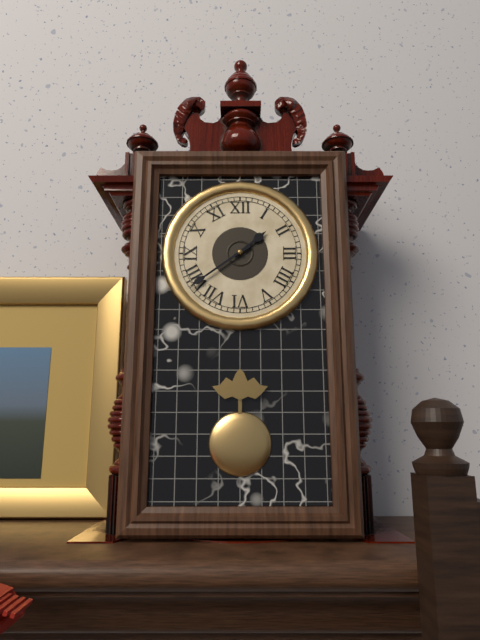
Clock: 1.39
